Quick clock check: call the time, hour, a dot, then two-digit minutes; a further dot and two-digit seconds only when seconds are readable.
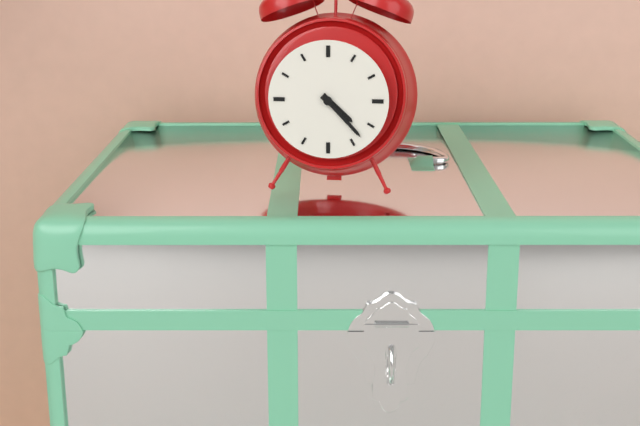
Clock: 4.23
